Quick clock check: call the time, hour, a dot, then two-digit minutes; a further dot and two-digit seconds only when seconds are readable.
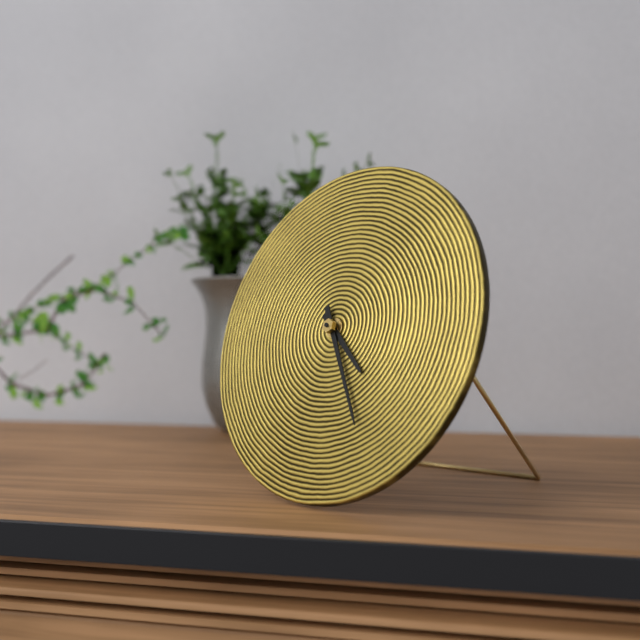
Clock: 4.25
